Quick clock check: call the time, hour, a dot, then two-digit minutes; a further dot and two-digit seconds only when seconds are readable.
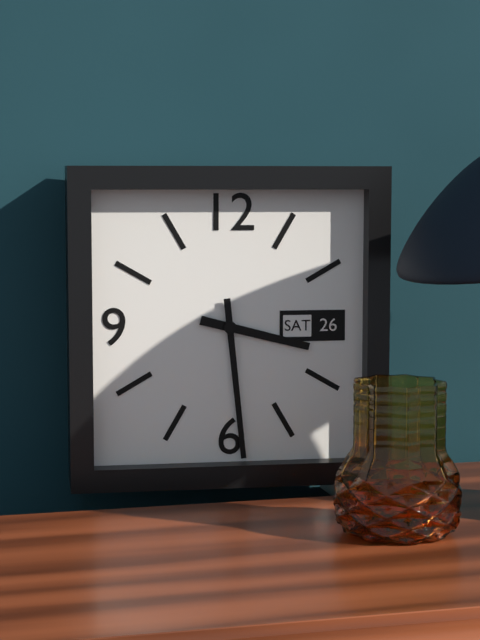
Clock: 3.29
